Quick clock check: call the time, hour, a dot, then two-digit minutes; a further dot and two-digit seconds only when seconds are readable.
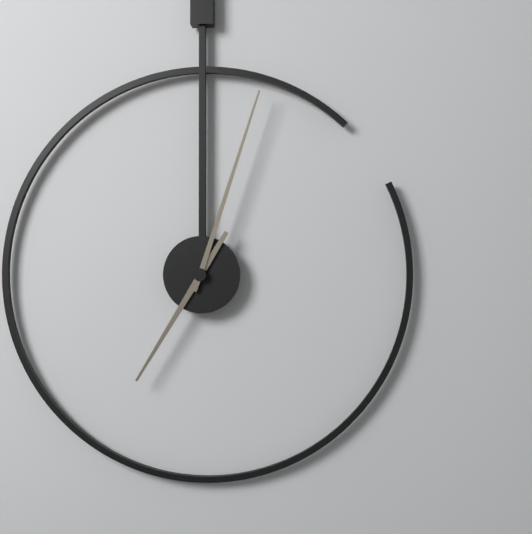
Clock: 7.03
